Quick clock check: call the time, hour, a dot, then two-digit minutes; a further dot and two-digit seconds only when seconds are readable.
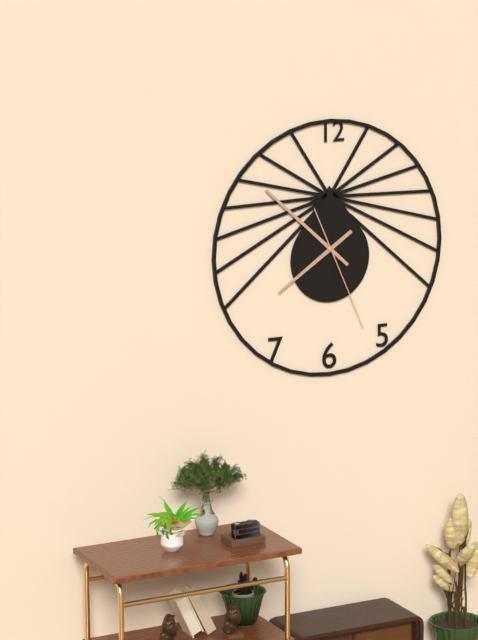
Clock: 7.52.26
